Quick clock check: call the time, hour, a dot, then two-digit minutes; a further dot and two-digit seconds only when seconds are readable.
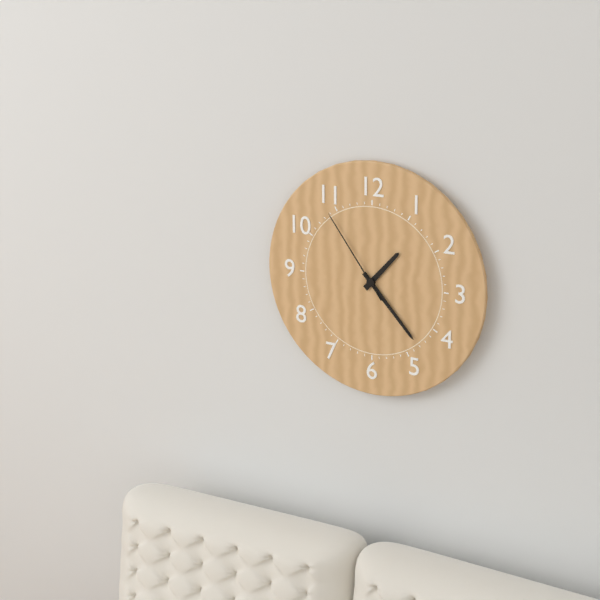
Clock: 1.23.54
